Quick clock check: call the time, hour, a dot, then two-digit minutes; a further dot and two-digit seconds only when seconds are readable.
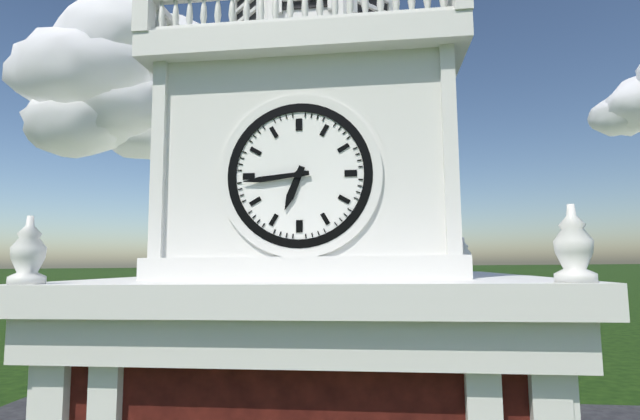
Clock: 6.44
